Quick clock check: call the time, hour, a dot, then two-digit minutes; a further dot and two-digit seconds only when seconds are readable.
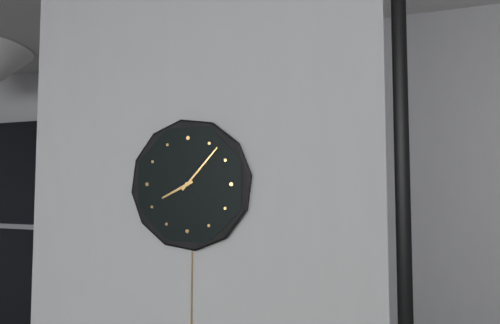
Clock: 8.07
